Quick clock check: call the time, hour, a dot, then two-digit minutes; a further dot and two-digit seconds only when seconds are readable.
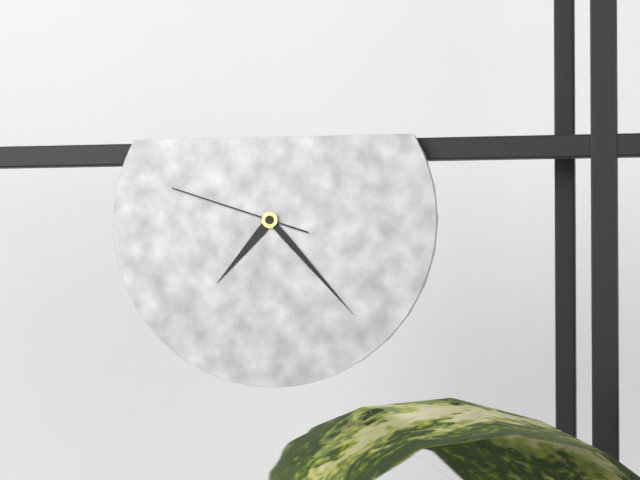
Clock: 7.23.48
